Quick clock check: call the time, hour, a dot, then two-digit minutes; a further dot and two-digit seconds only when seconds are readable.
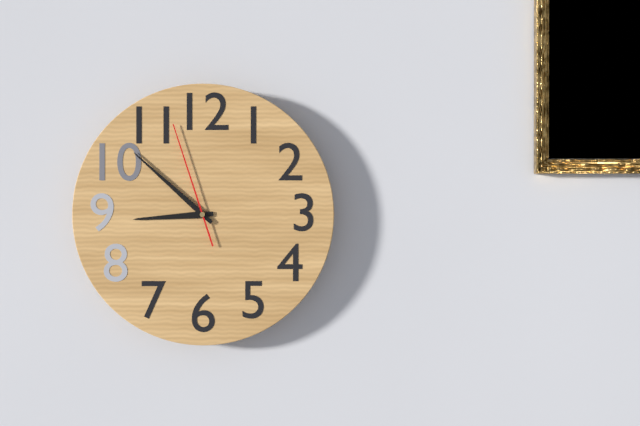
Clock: 8.52.57
